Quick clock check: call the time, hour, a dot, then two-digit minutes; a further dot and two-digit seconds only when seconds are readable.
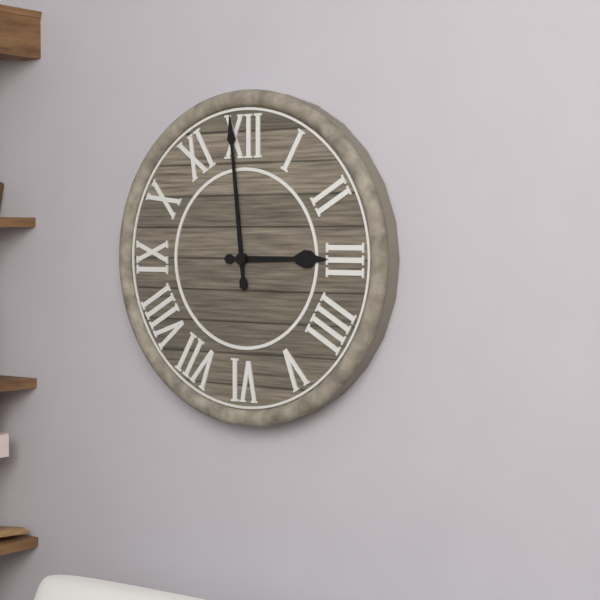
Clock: 2.59
